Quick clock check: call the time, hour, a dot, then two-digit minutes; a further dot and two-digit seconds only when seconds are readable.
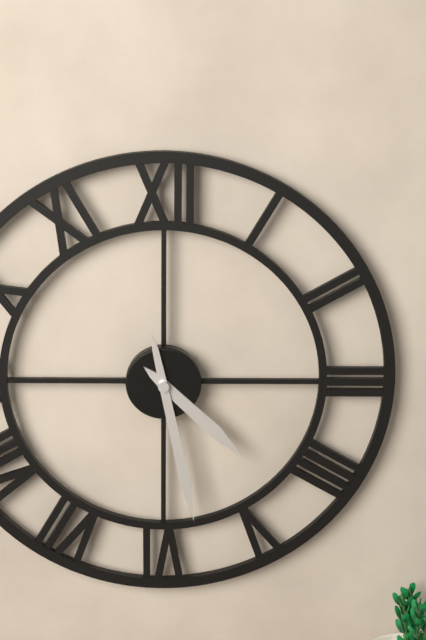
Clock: 4.28
